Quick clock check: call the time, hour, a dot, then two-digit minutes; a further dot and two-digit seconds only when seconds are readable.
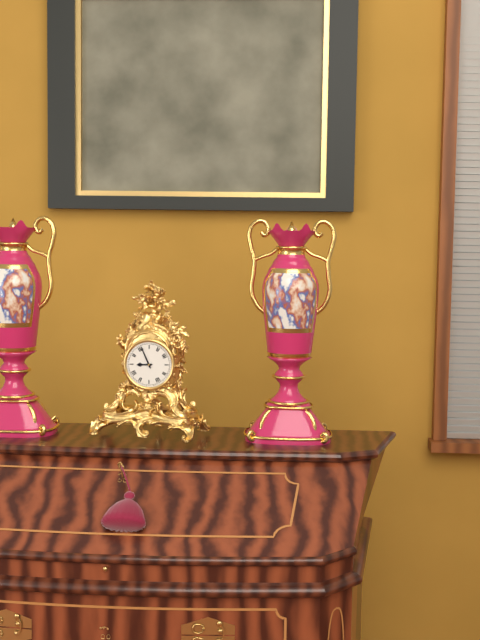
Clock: 8.56
